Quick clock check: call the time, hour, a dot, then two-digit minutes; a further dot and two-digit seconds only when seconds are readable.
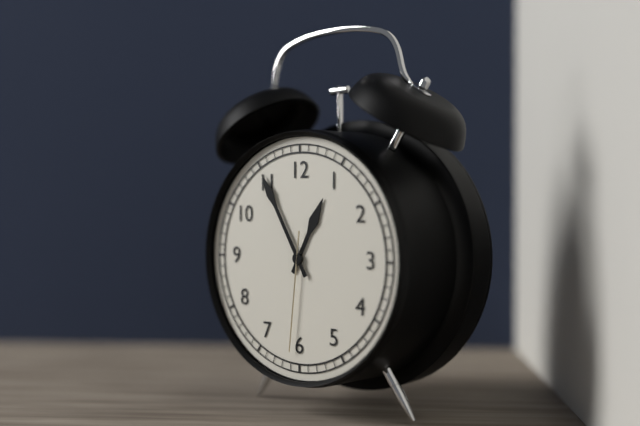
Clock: 12.55.31
